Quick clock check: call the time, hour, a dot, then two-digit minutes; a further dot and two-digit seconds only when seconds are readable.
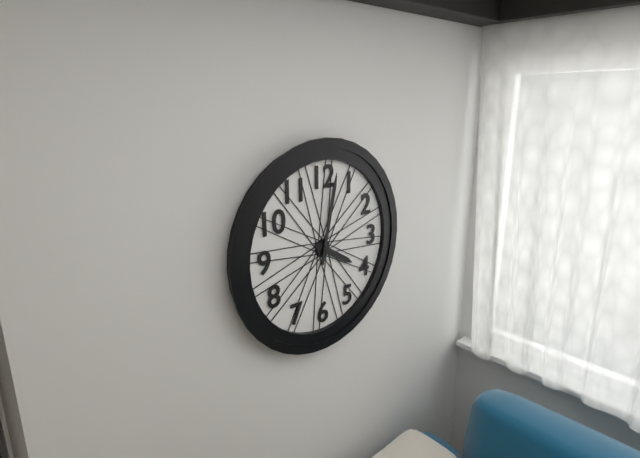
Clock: 4.02
